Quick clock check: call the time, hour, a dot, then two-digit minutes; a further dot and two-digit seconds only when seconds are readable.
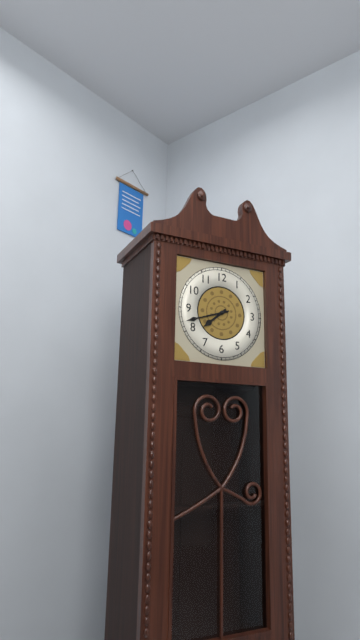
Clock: 7.42
